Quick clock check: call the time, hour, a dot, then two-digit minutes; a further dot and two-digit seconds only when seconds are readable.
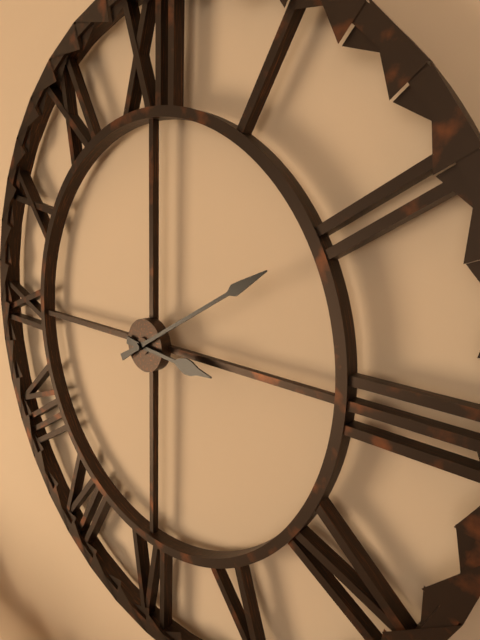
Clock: 3.10
